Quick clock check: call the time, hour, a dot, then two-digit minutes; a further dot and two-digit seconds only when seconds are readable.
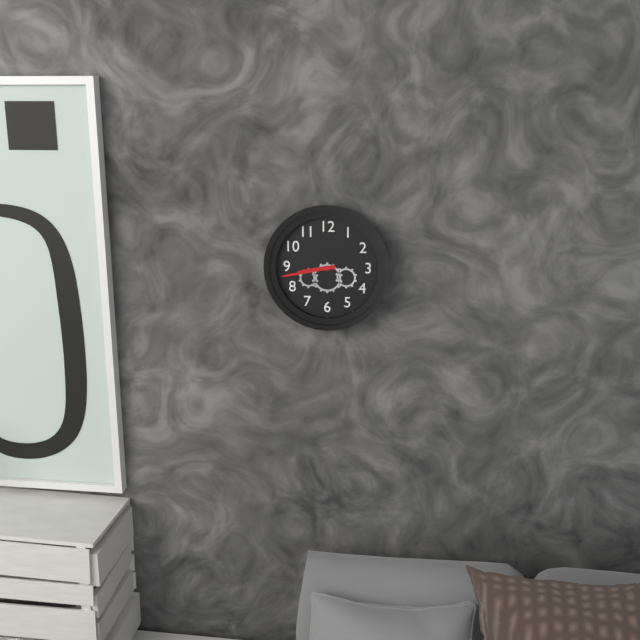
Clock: 8.43
